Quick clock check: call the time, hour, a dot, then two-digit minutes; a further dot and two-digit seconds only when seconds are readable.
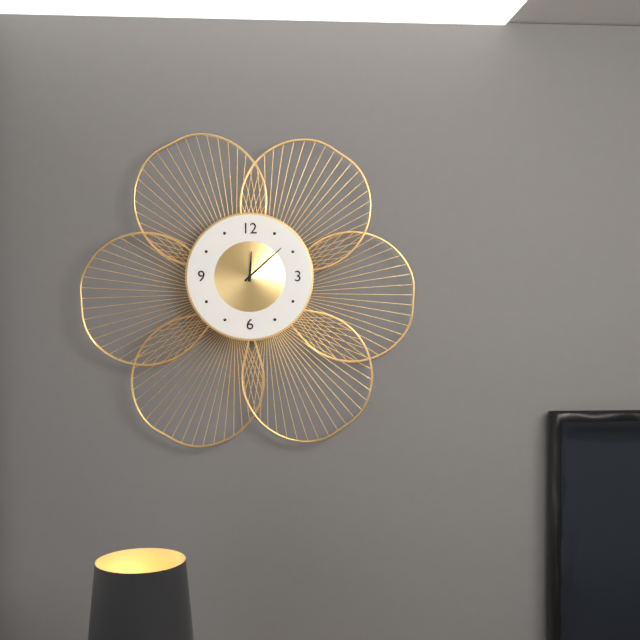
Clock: 12.08
